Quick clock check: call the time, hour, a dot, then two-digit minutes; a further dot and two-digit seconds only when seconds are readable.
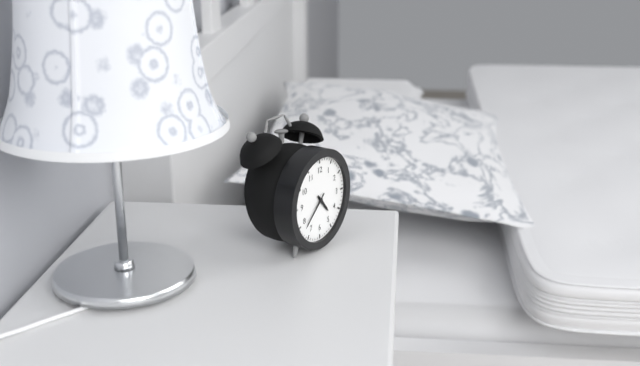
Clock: 4.38
